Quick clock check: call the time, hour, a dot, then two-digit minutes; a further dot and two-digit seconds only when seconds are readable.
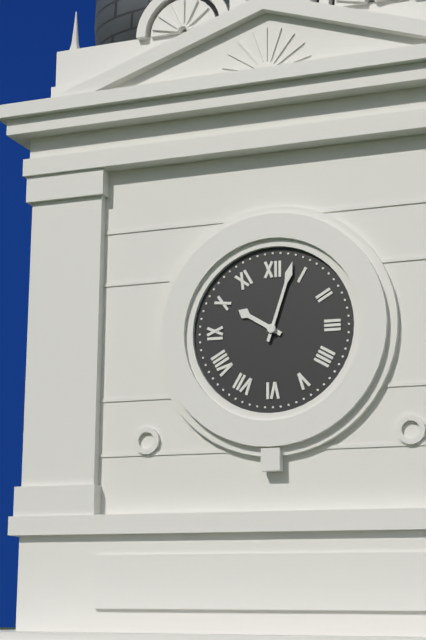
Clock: 10.03
